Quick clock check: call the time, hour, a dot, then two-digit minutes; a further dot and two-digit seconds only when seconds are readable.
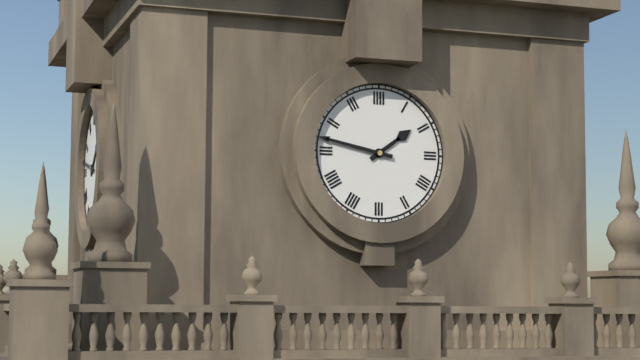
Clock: 1.47
